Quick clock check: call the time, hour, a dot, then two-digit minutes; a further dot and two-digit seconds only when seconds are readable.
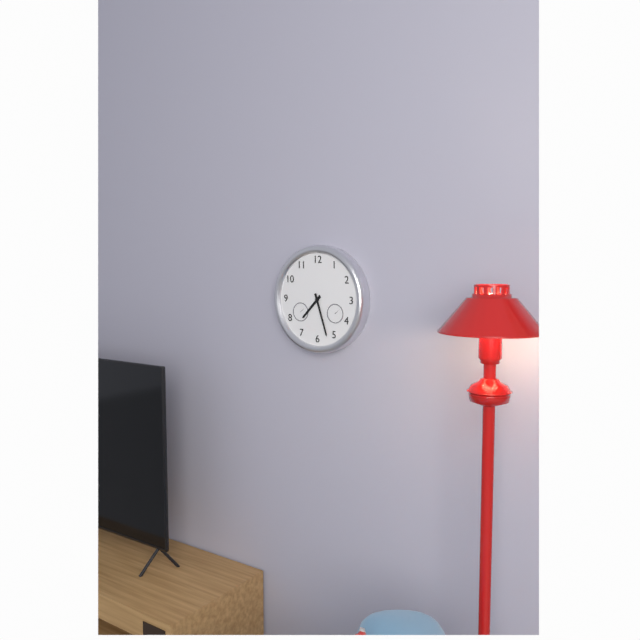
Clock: 7.27
